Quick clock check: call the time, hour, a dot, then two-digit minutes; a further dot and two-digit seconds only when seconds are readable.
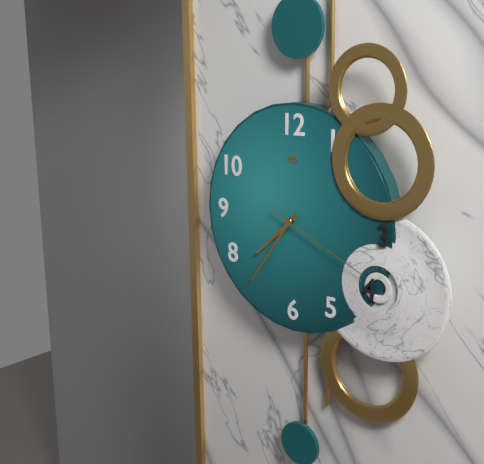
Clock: 7.36.19
